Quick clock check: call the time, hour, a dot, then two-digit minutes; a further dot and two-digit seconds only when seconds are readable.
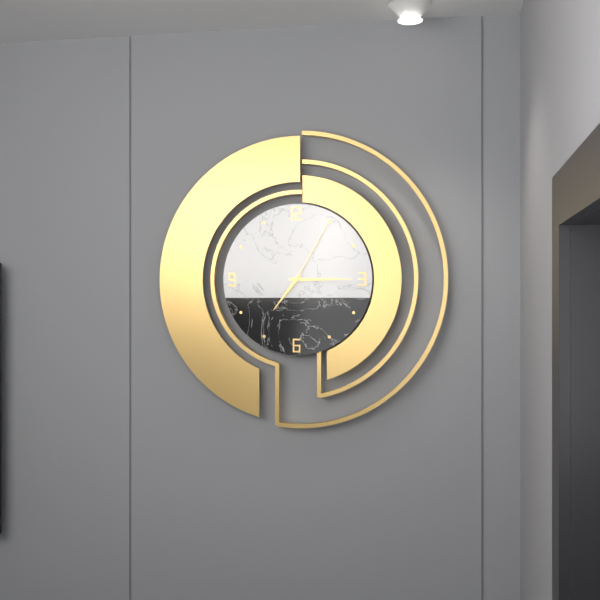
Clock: 7.15.05
